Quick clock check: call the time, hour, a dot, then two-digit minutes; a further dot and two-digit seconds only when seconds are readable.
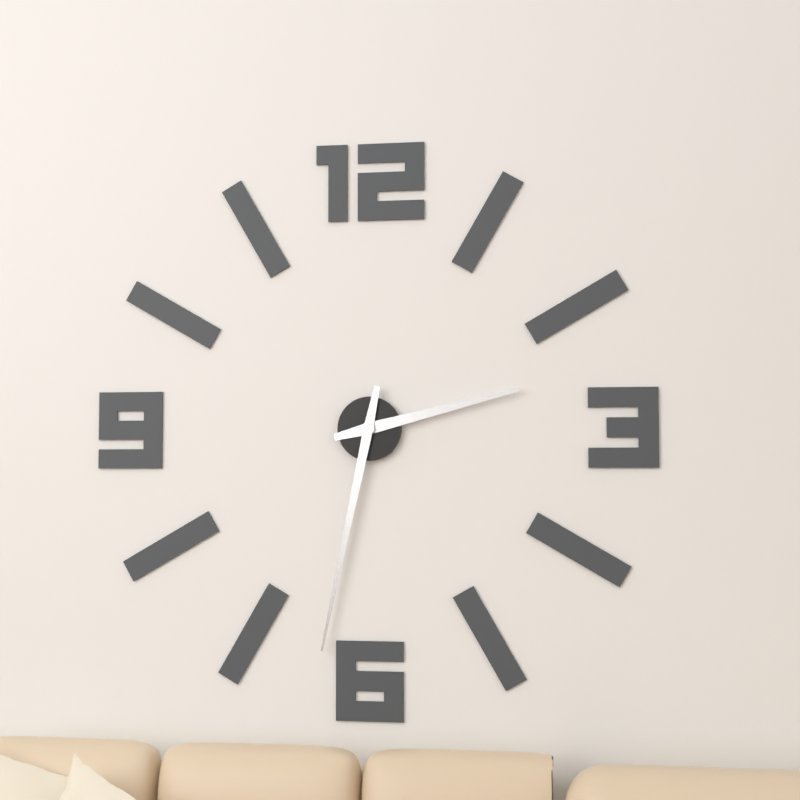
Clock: 2.32
